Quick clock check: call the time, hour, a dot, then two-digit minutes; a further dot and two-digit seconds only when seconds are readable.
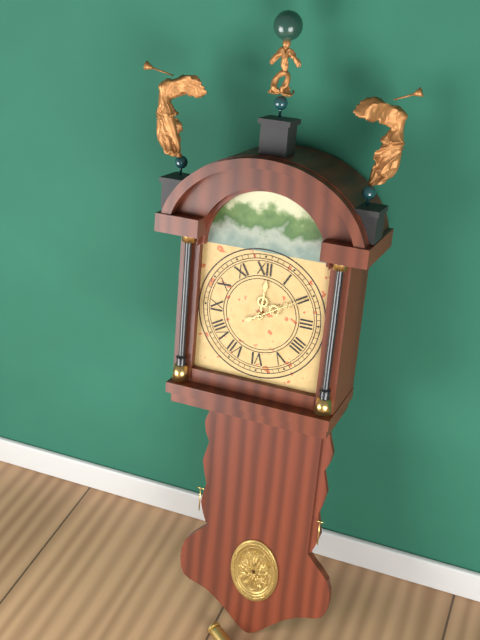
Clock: 12.10
